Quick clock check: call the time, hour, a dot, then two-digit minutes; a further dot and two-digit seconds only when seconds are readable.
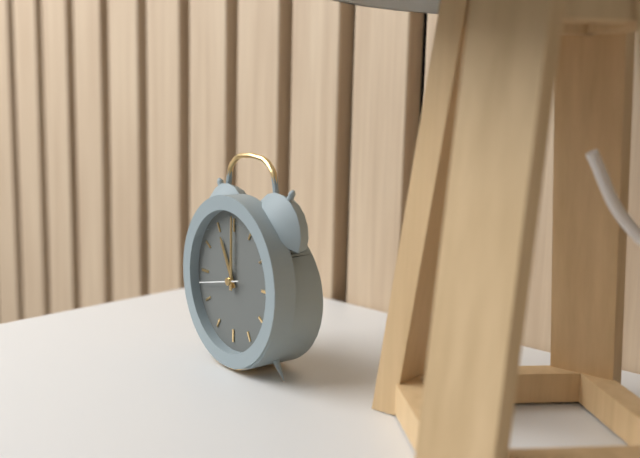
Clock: 11.00
